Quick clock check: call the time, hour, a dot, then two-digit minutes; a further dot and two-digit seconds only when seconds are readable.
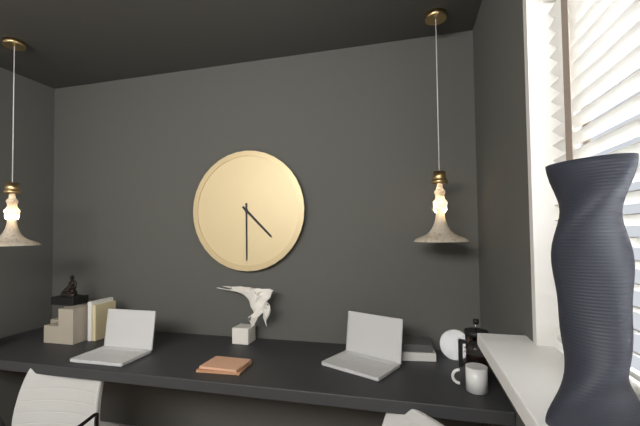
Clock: 4.30
